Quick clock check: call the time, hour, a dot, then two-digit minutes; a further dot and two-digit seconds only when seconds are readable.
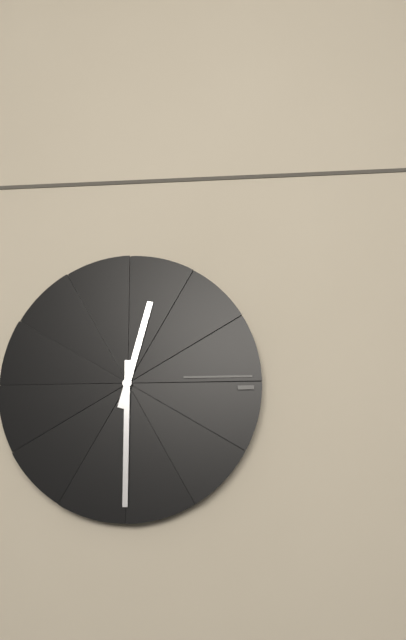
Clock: 12.30
